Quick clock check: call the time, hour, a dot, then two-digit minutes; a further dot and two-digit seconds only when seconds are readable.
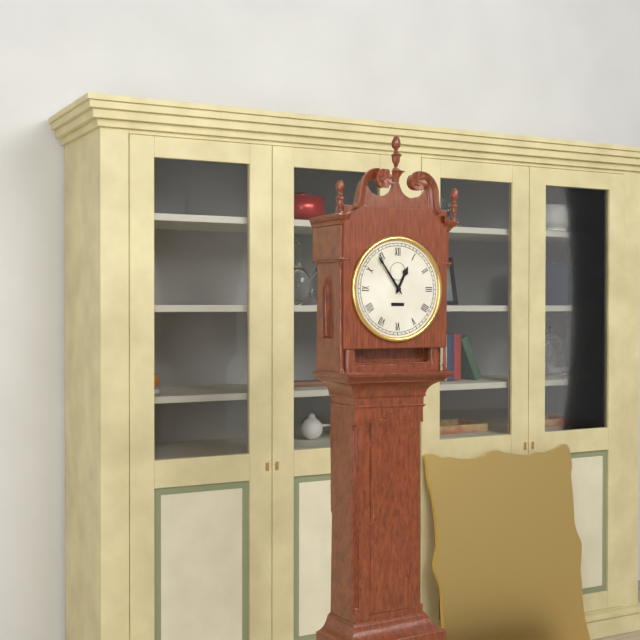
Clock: 12.54
